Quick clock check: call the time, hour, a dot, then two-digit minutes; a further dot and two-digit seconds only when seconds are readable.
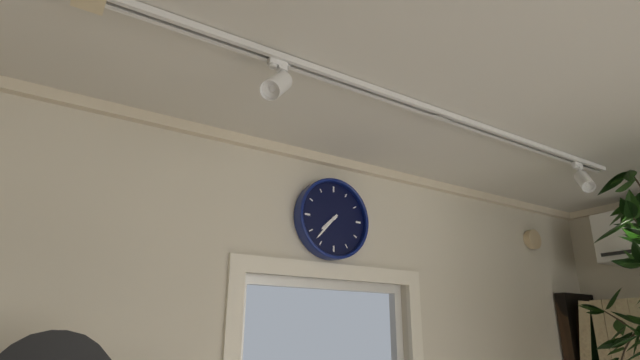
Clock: 7.37
